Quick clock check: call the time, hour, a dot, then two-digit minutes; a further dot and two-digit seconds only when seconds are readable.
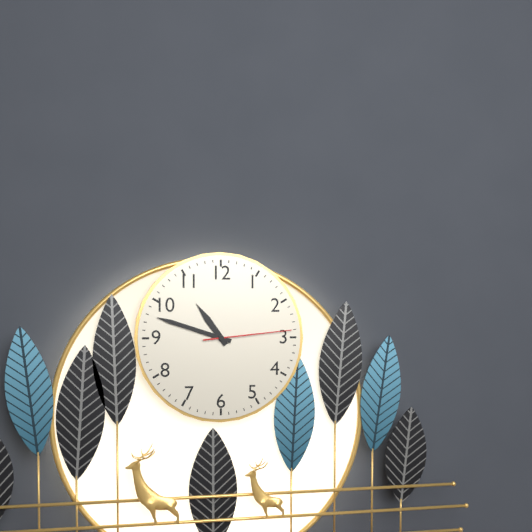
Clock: 10.48.14
